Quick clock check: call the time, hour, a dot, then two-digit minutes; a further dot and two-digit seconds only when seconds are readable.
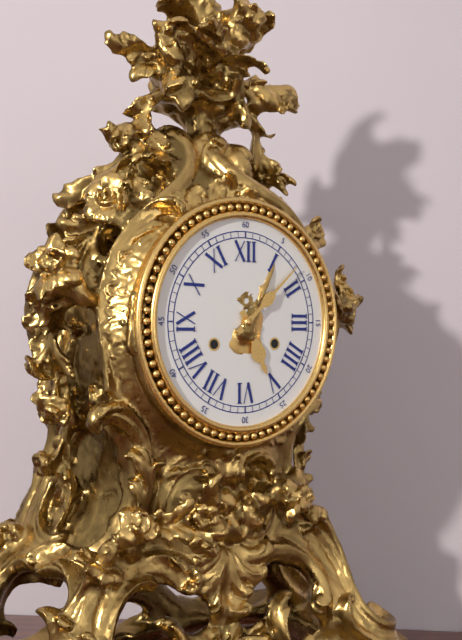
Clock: 5.08
